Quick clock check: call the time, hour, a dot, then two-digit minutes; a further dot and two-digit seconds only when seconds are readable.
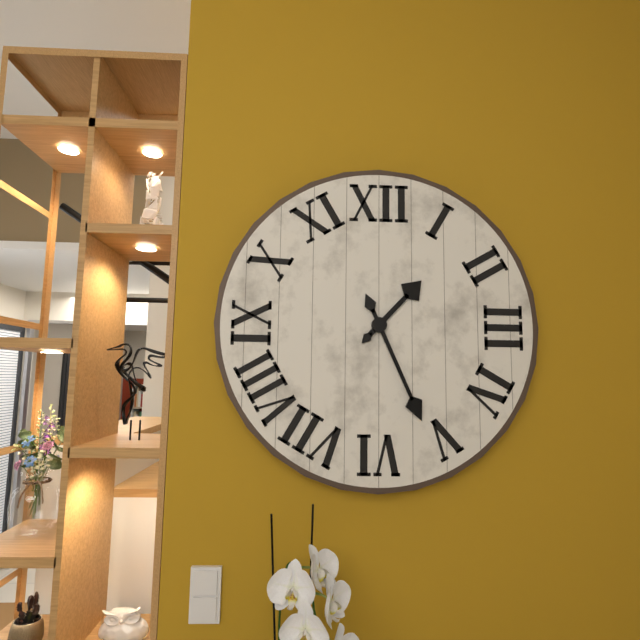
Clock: 1.26
